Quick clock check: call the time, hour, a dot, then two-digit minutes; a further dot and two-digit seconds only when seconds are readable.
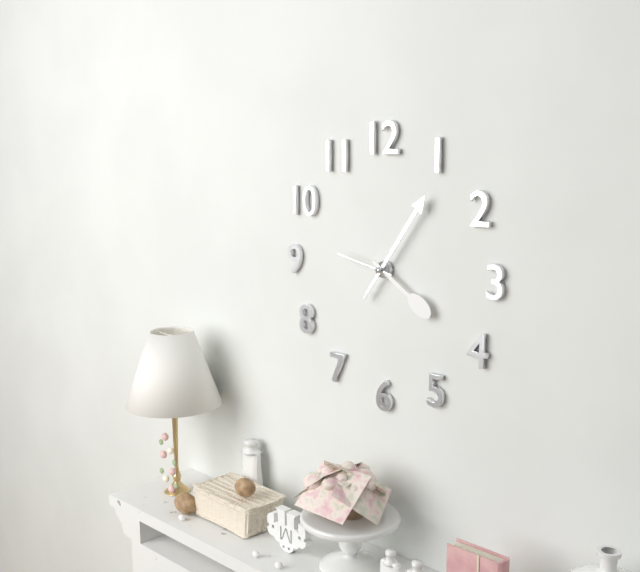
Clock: 4.06.47
